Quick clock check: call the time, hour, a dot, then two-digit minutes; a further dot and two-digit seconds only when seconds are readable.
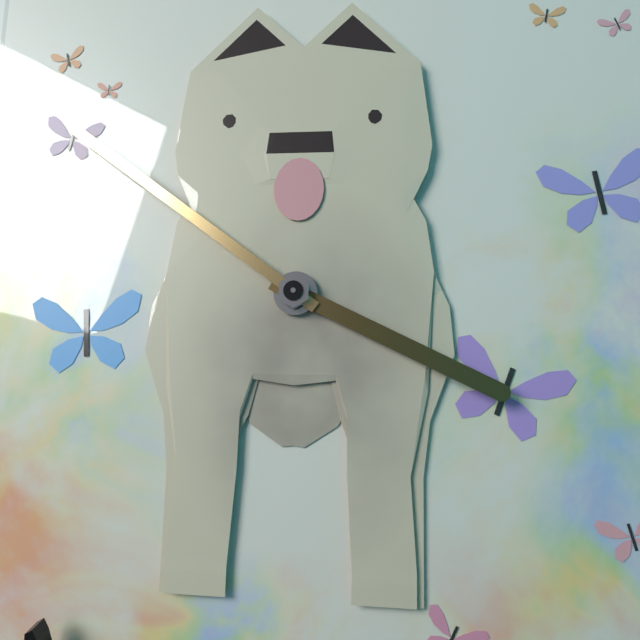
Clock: 3.51
